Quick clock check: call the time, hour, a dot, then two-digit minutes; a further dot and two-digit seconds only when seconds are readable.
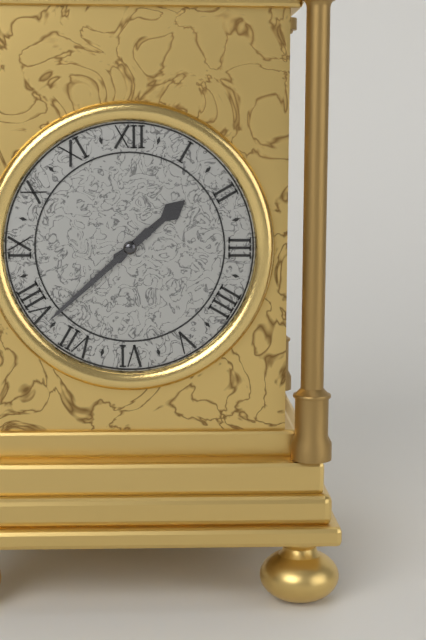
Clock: 1.38
